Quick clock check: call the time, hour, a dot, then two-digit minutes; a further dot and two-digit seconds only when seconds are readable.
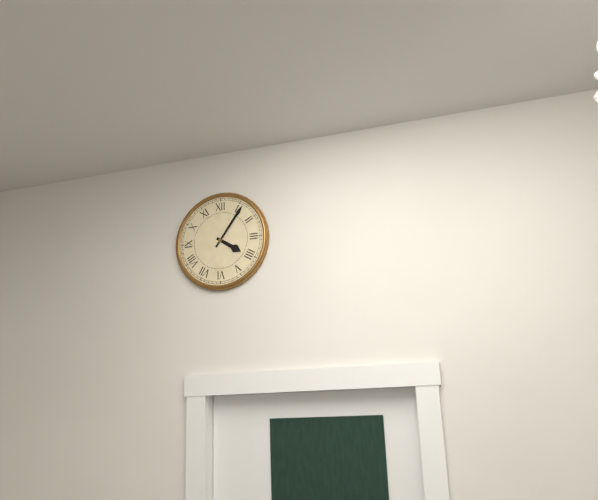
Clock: 4.06
